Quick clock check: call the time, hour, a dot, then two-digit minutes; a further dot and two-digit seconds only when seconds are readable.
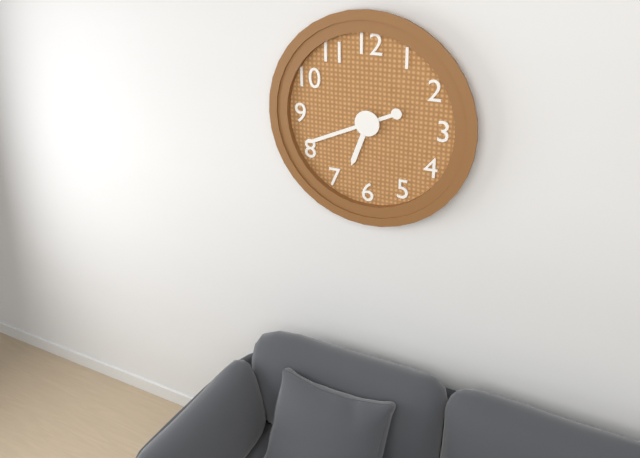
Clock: 6.41
